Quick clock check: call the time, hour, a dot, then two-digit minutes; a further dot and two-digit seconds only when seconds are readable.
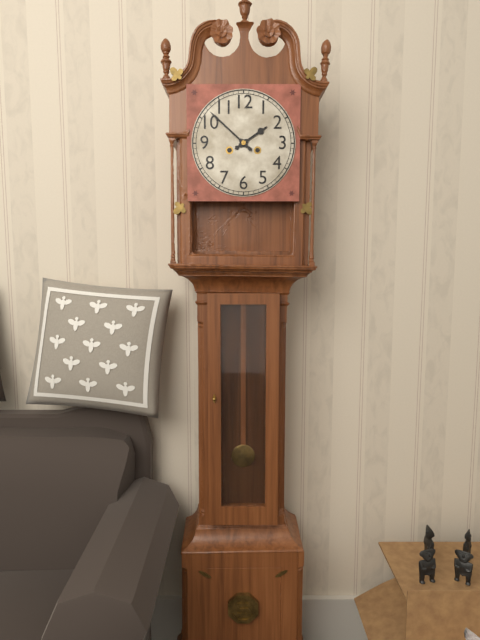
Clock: 1.52
